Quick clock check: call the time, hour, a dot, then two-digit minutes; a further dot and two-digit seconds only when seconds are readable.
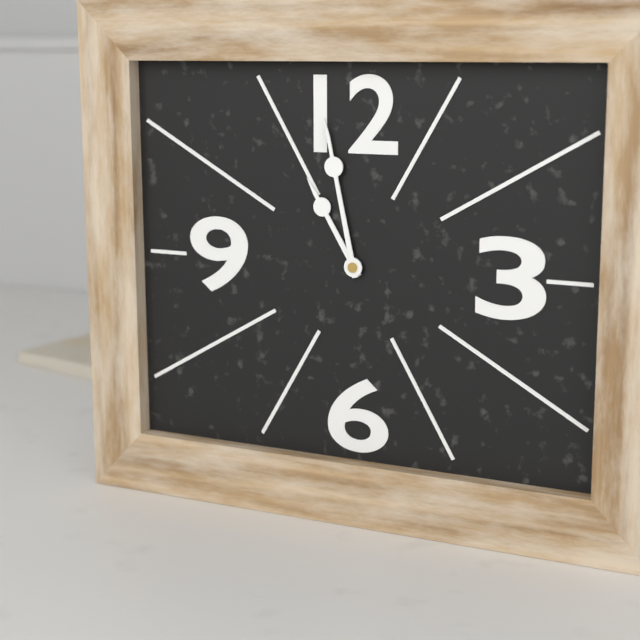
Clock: 10.58
